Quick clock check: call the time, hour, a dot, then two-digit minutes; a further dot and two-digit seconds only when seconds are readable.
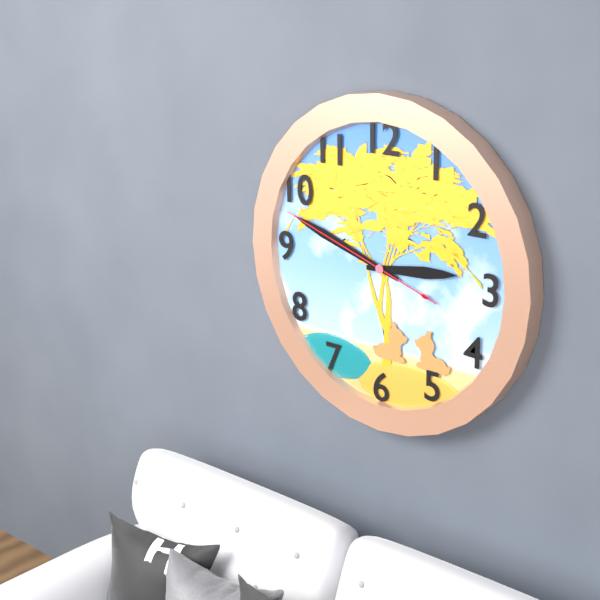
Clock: 2.48.48
